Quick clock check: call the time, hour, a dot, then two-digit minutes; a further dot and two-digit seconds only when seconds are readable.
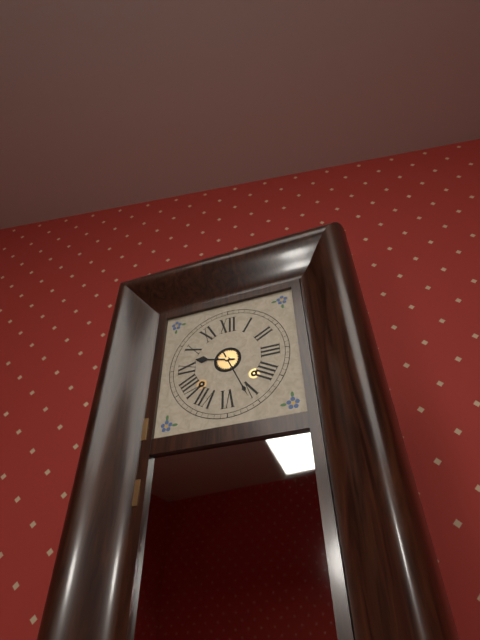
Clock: 9.26
